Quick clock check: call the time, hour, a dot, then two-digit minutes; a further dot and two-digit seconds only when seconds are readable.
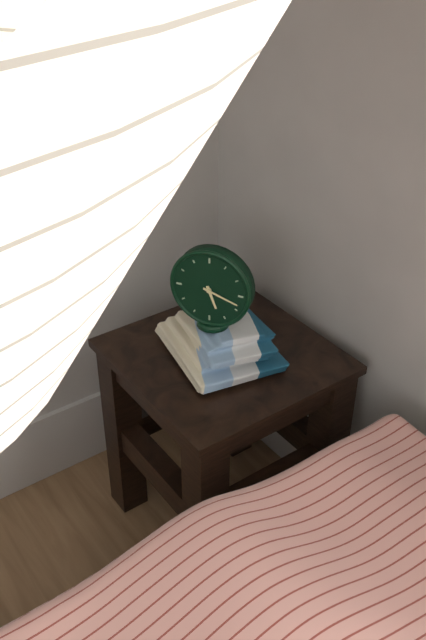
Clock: 5.18
